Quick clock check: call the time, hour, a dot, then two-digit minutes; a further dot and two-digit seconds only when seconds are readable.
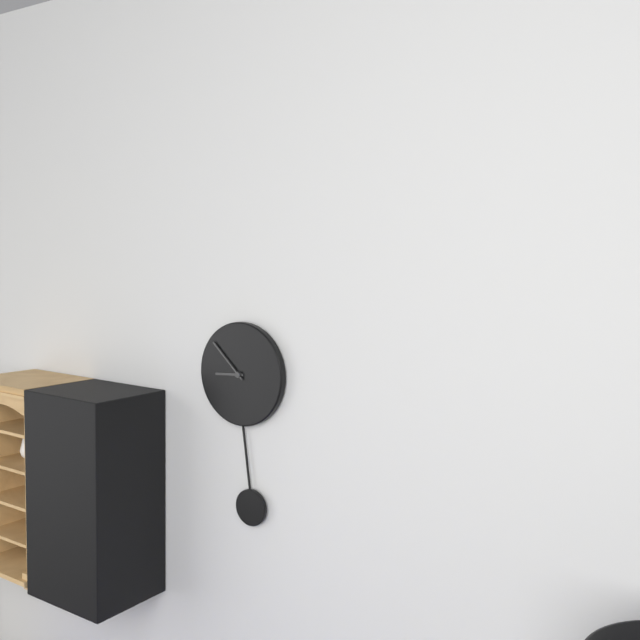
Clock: 8.52
